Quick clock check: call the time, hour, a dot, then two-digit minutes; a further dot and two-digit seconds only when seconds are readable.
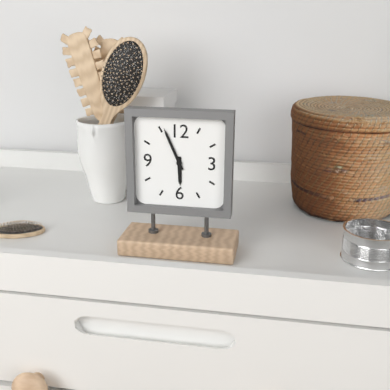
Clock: 5.56
